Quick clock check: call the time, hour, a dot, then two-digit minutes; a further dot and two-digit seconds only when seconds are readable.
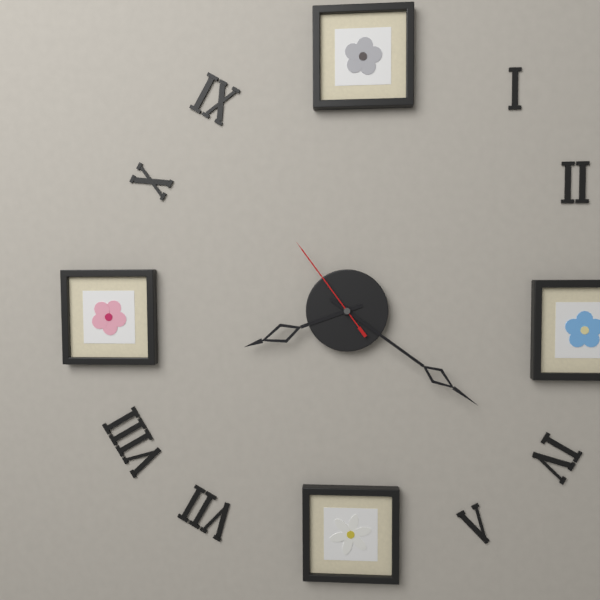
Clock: 8.21.54
